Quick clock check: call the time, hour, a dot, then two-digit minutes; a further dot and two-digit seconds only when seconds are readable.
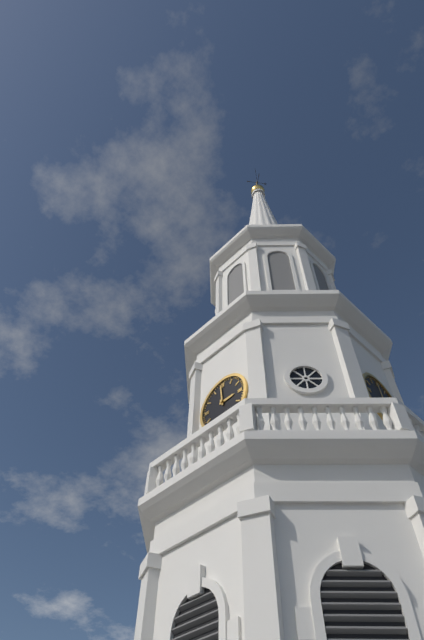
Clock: 2.59
